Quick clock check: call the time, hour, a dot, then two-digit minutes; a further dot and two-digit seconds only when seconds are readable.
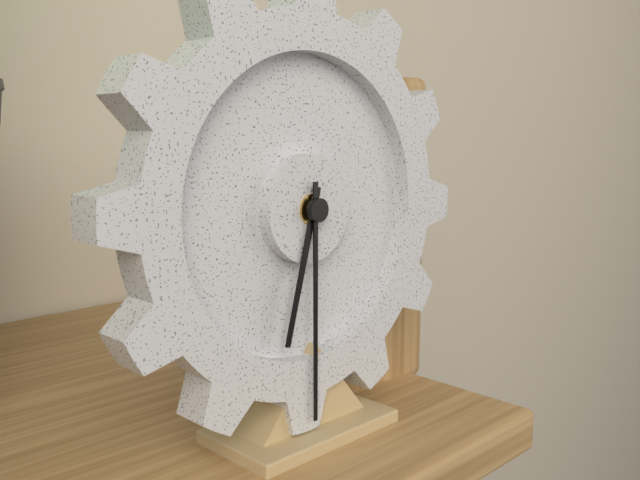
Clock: 6.30
